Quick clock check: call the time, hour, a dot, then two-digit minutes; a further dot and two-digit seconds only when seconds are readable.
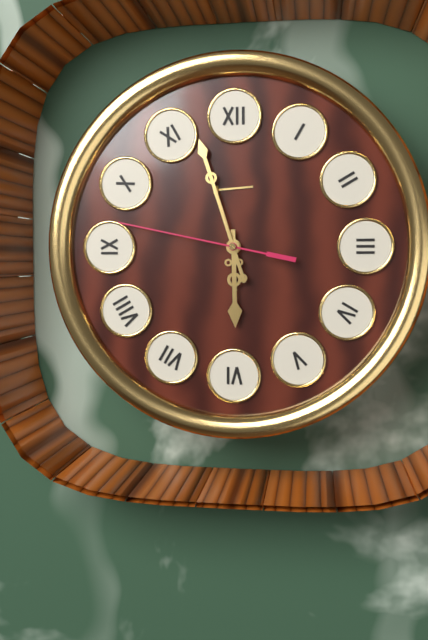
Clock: 5.57.47
